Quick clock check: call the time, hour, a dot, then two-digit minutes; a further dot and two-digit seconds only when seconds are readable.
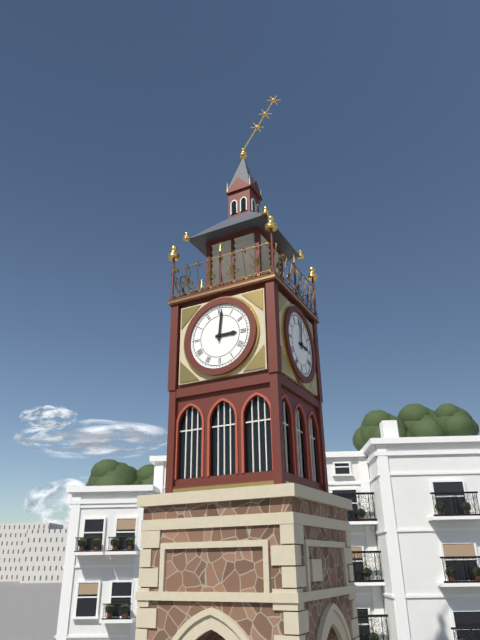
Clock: 3.01
